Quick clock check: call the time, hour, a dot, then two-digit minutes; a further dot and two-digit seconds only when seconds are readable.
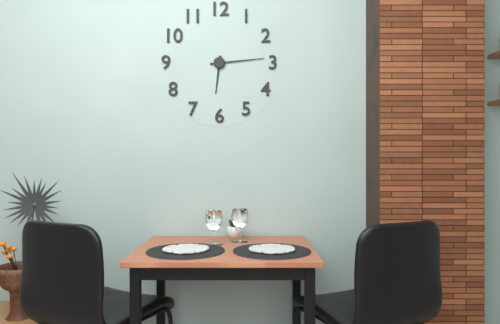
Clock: 6.14
